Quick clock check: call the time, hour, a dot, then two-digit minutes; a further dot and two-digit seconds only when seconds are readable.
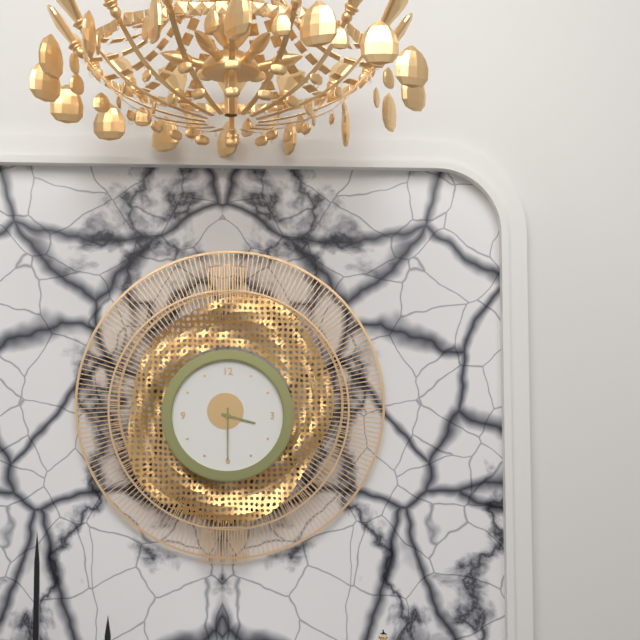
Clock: 3.30
